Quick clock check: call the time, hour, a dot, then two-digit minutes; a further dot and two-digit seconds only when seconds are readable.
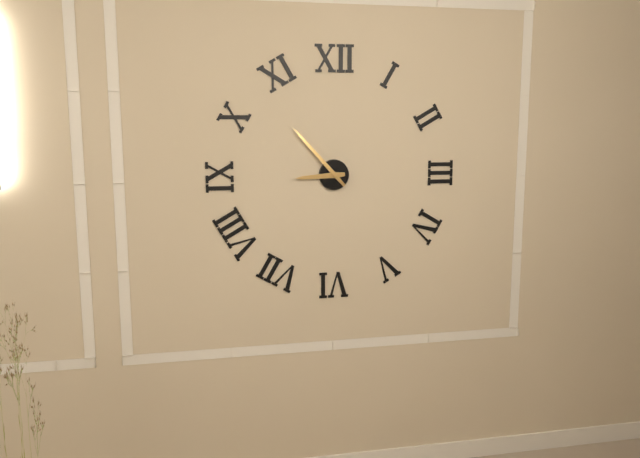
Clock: 8.53
